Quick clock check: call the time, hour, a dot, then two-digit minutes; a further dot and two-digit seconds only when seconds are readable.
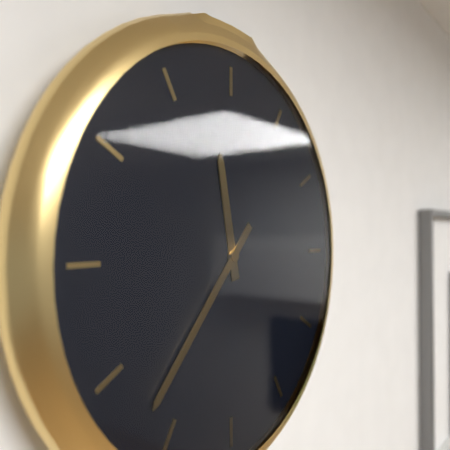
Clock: 11.37
